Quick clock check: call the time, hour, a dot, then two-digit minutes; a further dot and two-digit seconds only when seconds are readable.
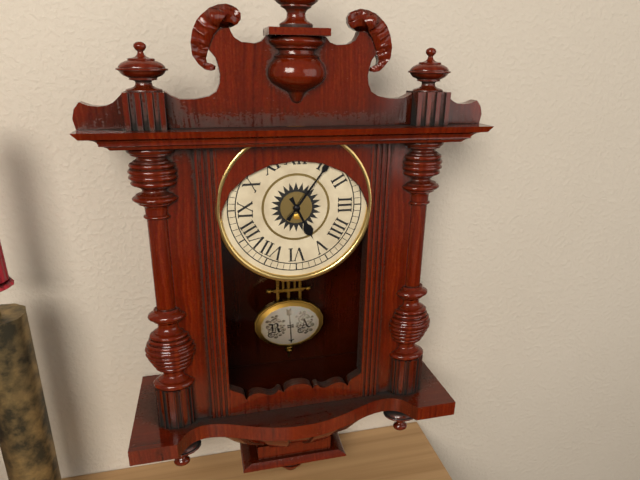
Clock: 5.06
